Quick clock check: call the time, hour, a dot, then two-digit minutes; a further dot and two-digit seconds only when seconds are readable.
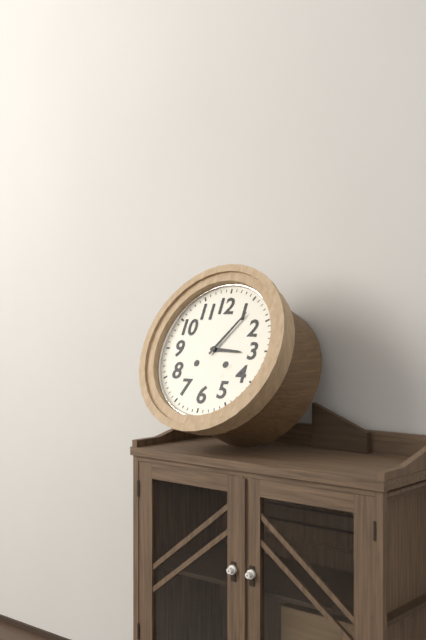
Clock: 3.06
